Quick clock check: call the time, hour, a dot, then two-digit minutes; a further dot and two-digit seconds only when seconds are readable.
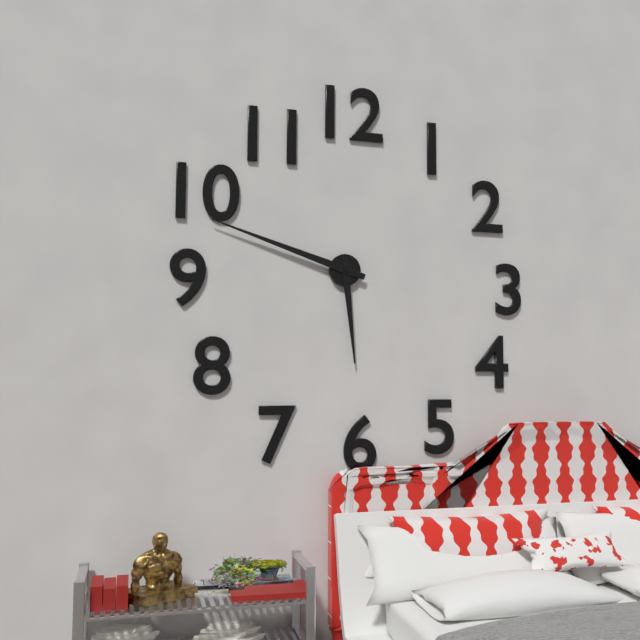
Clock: 5.48
